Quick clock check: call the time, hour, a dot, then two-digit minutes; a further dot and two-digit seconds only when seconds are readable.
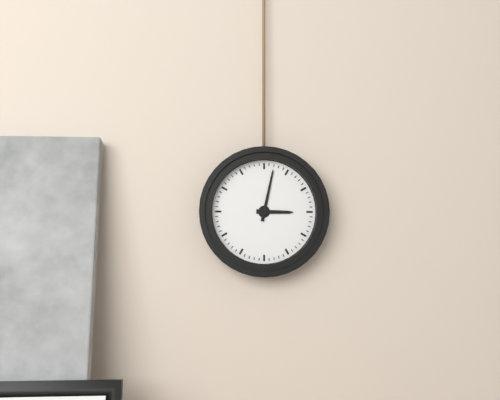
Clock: 3.02
